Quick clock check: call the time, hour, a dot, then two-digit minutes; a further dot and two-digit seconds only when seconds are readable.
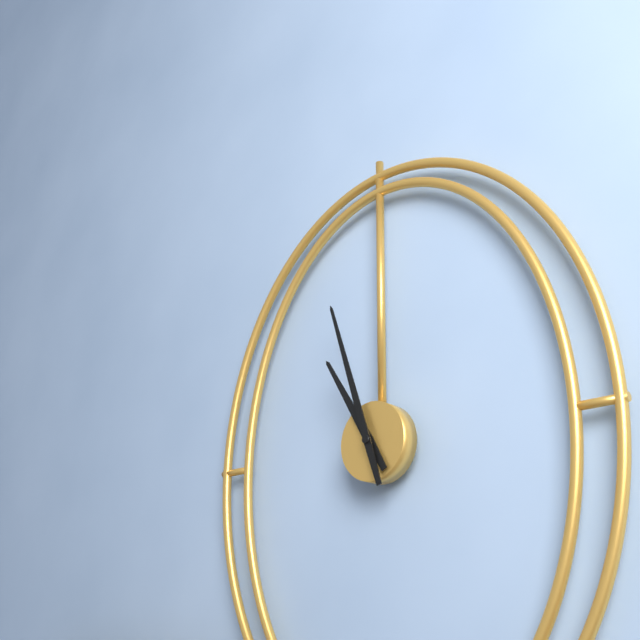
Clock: 10.57
